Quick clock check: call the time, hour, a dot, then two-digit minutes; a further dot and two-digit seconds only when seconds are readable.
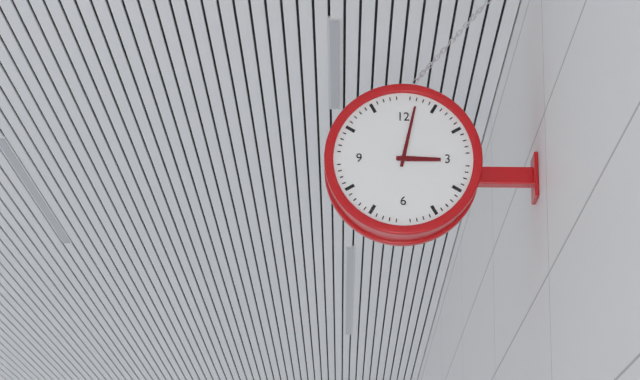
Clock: 3.02
